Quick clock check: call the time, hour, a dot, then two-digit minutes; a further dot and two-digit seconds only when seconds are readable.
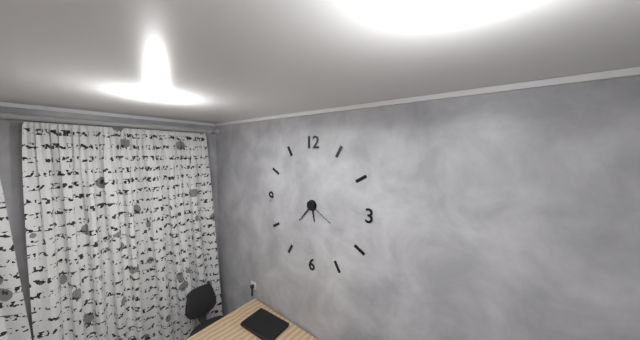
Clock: 5.37
